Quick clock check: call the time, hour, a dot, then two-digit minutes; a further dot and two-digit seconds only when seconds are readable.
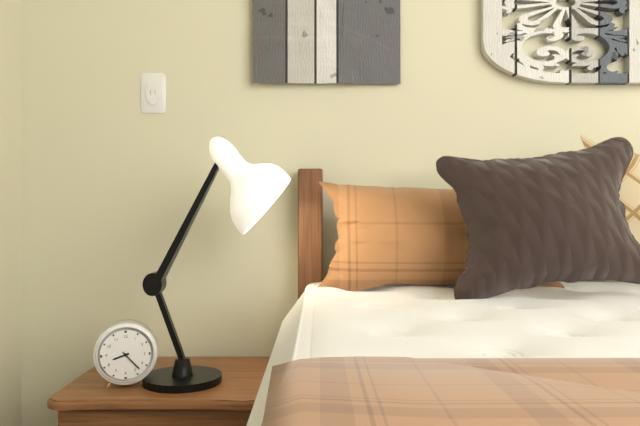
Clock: 8.23
